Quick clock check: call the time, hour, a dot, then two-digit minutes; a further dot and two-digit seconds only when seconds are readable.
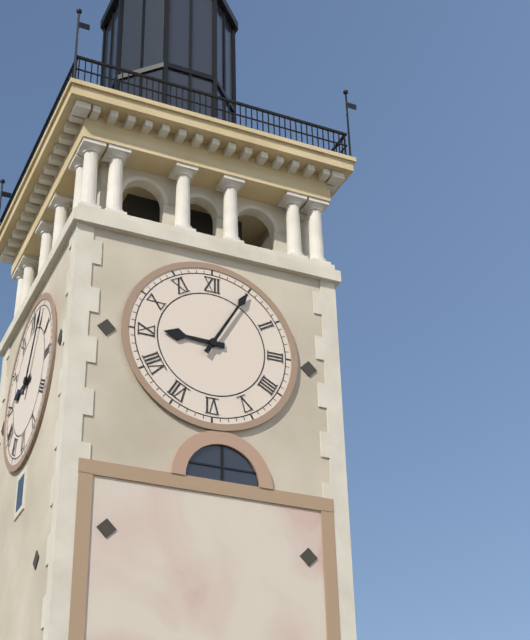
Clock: 9.05
